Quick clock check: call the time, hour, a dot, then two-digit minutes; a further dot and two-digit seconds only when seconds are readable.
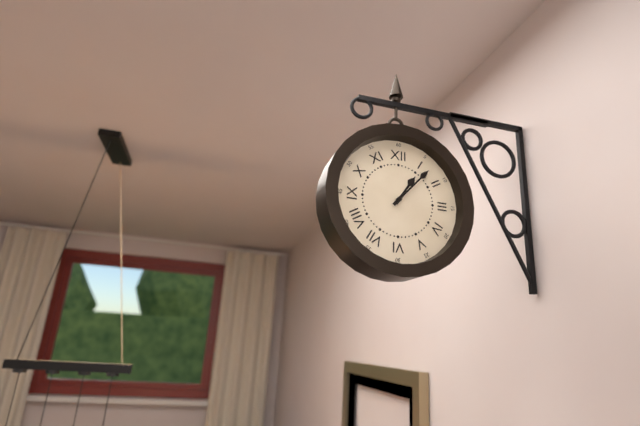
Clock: 1.07
